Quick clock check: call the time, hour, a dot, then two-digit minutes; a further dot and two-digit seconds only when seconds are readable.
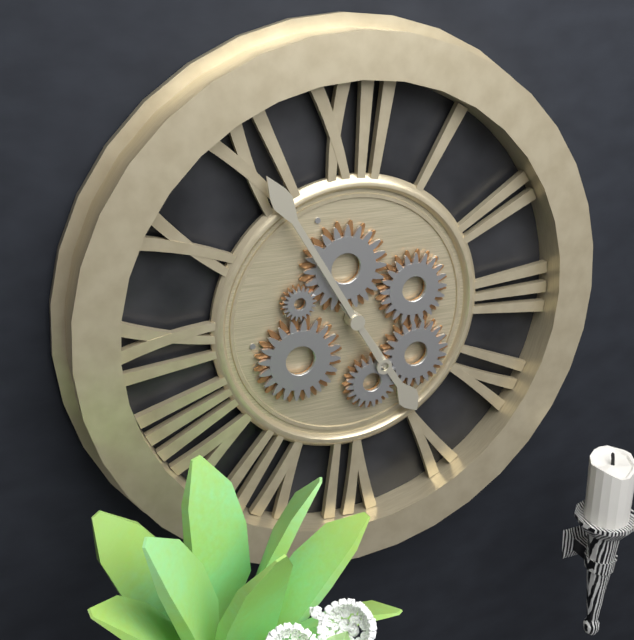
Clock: 4.55
